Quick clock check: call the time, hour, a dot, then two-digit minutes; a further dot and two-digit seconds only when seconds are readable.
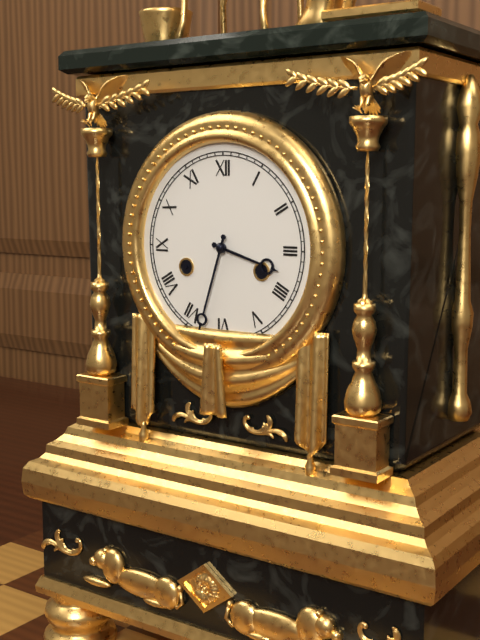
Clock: 3.33
